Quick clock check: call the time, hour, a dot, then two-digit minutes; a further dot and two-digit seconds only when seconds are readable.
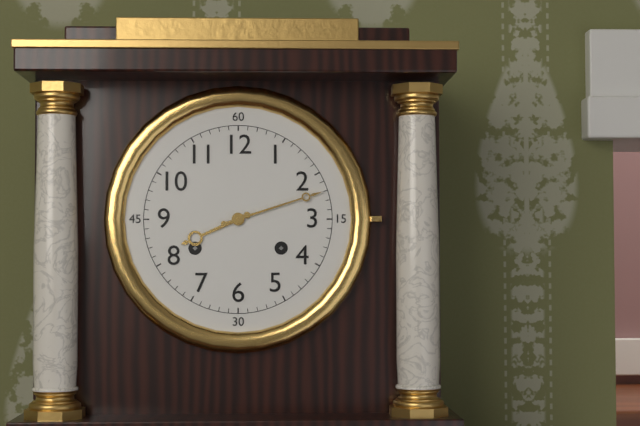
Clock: 8.12
